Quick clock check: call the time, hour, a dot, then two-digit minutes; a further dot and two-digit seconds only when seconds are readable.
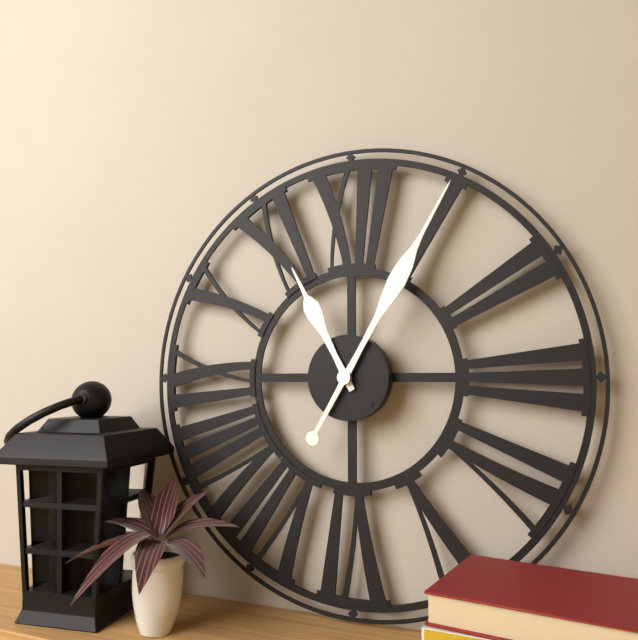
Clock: 11.05
